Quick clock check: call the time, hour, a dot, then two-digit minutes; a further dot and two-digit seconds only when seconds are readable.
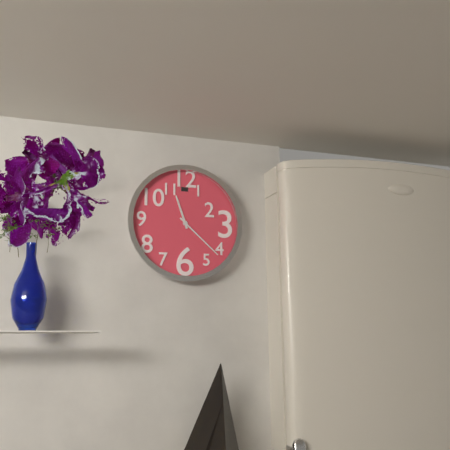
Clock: 11.22
